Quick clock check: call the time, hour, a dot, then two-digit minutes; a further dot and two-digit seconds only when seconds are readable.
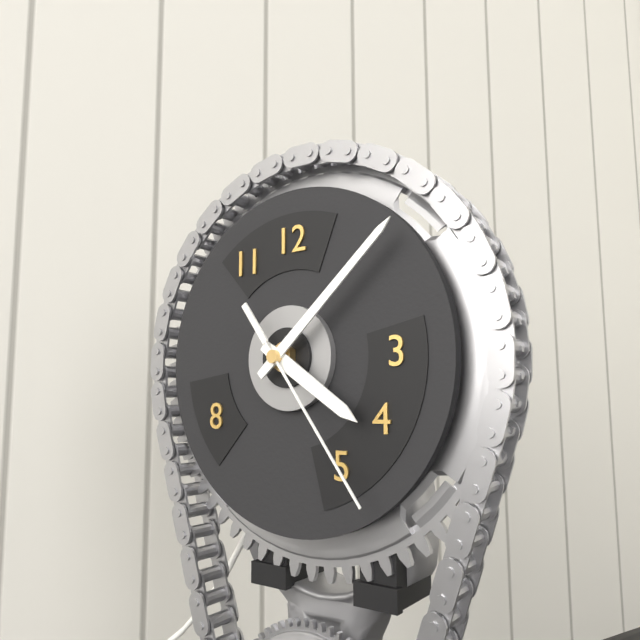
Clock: 4.08.24
